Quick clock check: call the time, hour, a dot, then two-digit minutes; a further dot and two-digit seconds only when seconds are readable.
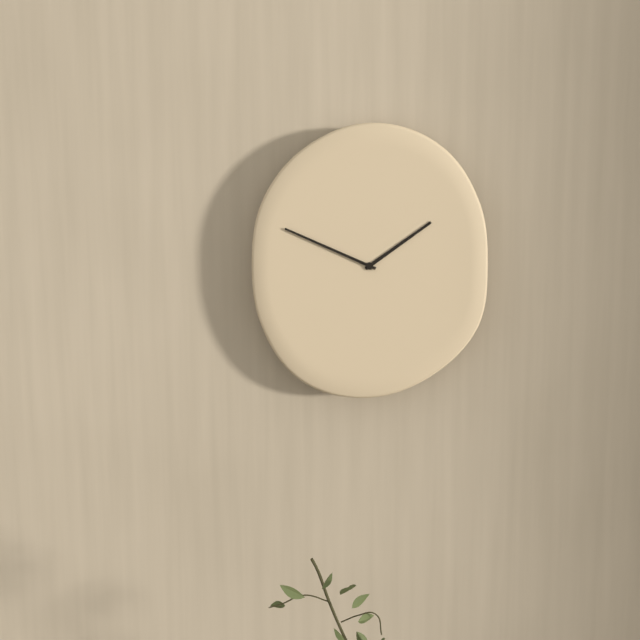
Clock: 1.49
